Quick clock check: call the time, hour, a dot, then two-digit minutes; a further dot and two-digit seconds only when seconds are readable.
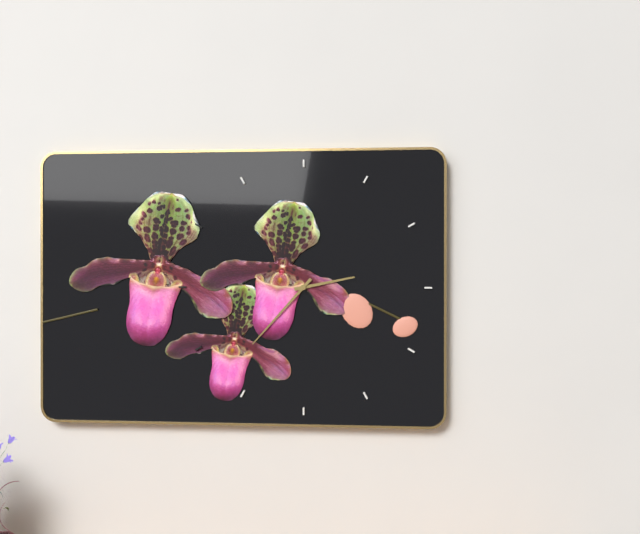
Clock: 2.37
